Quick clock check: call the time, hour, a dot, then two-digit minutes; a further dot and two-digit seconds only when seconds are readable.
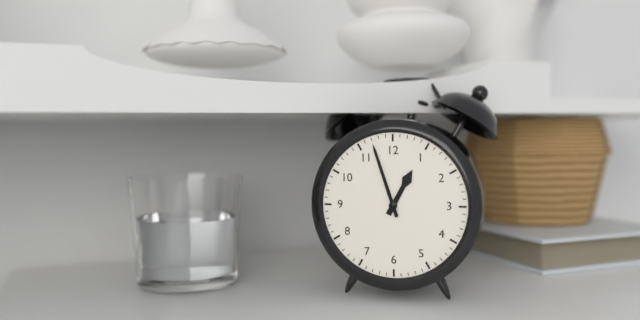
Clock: 12.57
